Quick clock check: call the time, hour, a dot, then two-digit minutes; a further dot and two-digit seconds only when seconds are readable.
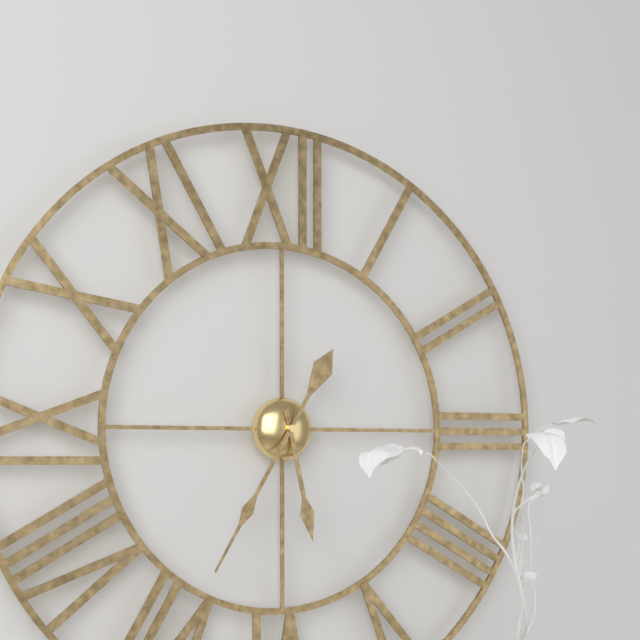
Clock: 5.35
